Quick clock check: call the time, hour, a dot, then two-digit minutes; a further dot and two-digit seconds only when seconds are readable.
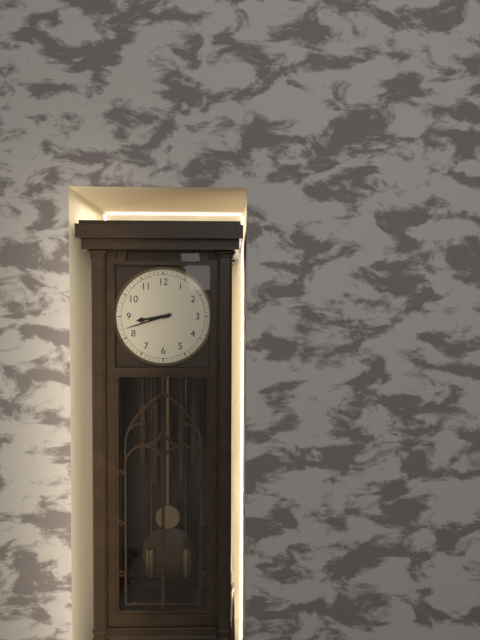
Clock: 8.42
